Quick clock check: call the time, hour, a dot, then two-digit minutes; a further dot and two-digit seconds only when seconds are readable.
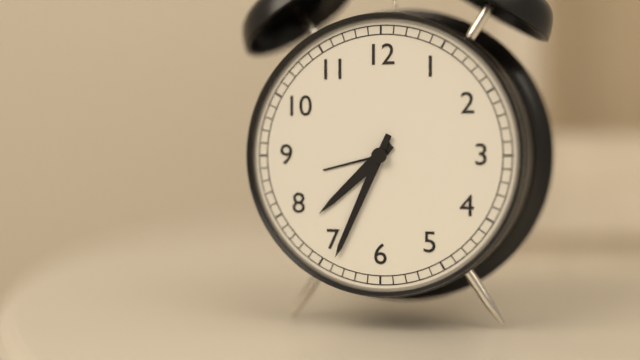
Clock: 7.34
